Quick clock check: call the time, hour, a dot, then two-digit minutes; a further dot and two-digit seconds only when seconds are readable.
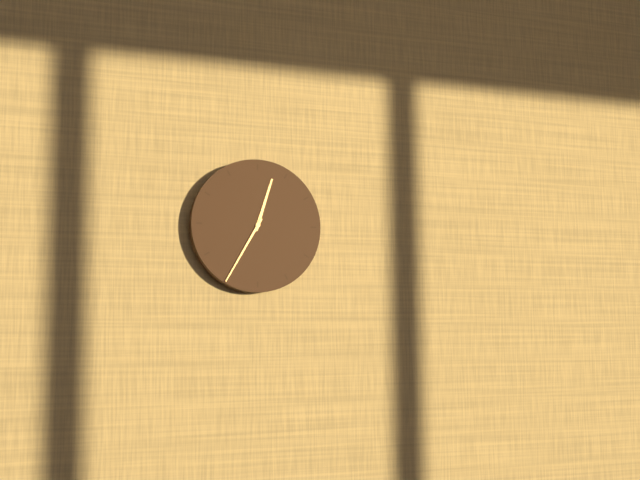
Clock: 12.35
